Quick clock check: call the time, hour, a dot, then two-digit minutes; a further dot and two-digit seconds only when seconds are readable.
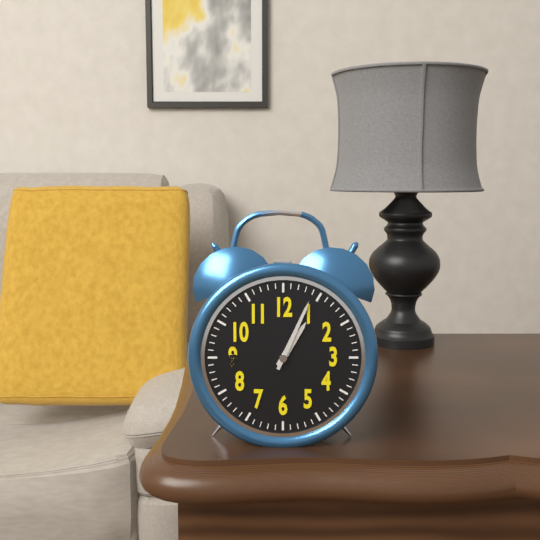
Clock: 1.04
